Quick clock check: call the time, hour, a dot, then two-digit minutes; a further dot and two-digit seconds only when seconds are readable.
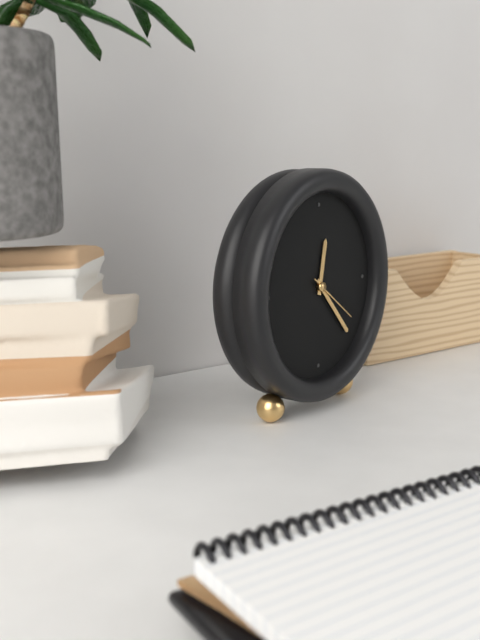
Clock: 12.23.21
